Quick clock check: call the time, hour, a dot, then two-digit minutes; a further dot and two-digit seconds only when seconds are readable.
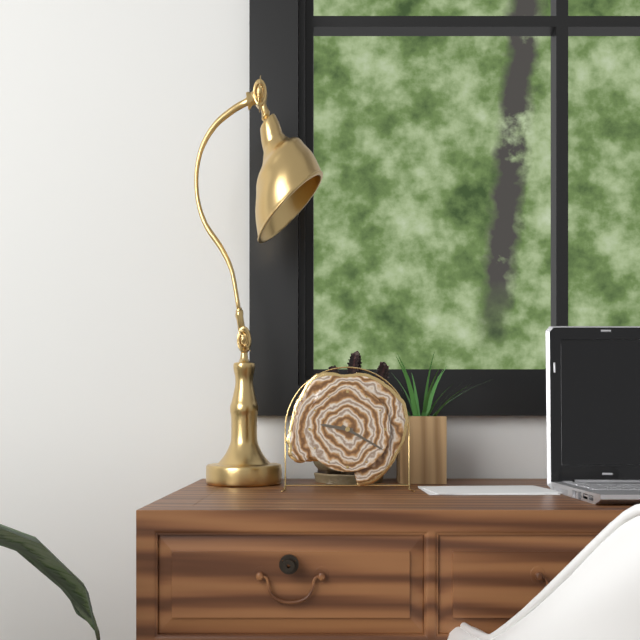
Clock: 9.20
